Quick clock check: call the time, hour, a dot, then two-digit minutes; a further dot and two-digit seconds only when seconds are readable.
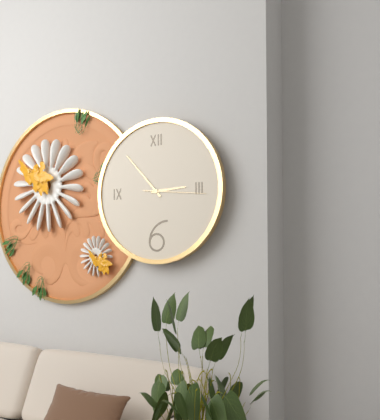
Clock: 2.53.16
